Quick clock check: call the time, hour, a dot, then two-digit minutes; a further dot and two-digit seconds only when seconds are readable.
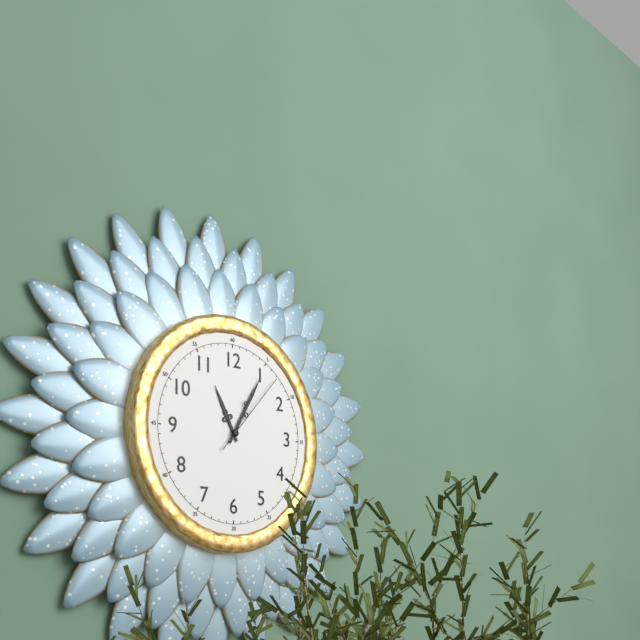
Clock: 11.05.07
